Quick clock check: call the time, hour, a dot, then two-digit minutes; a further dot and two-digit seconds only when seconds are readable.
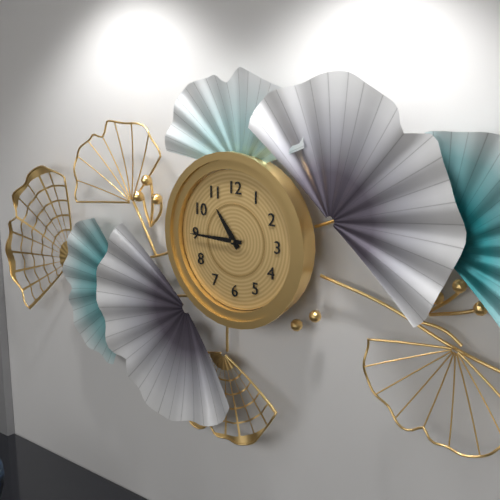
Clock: 10.45
